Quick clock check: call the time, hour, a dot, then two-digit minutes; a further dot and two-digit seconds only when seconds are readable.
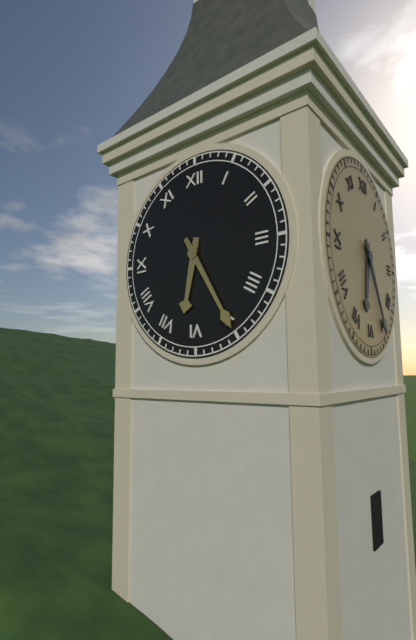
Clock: 6.25
